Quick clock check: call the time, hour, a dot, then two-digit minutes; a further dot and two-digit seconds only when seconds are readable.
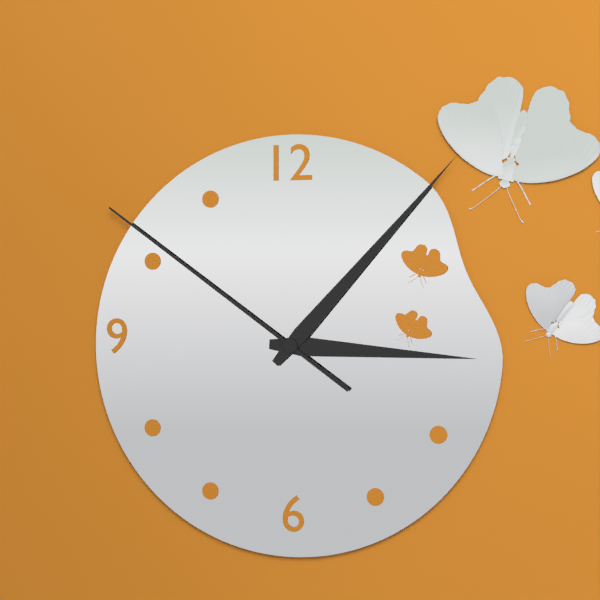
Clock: 3.07.51
